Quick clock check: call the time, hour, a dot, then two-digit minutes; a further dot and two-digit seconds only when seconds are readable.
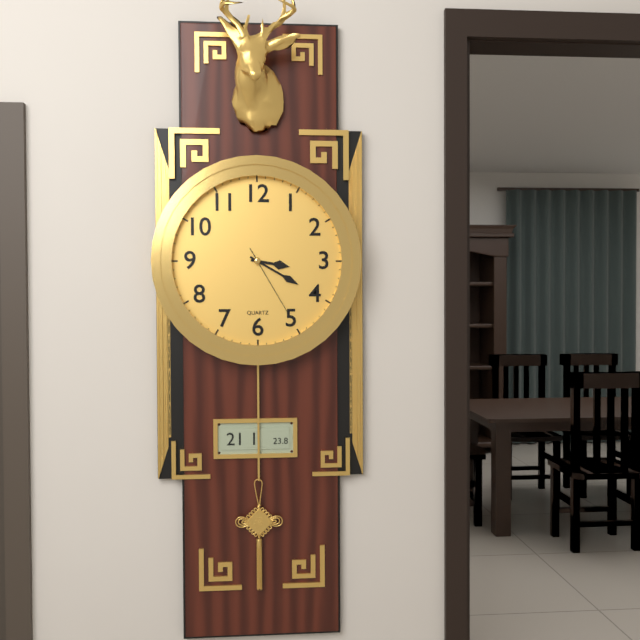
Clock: 3.20.25
